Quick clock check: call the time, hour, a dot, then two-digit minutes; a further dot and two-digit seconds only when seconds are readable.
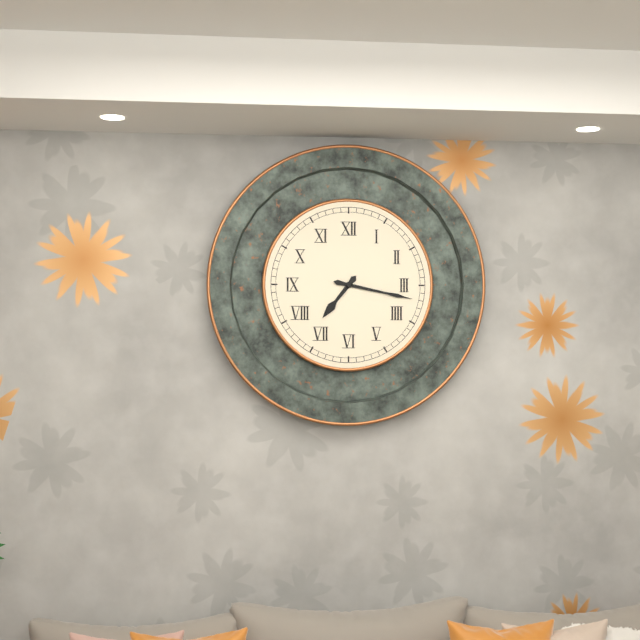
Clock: 7.17
